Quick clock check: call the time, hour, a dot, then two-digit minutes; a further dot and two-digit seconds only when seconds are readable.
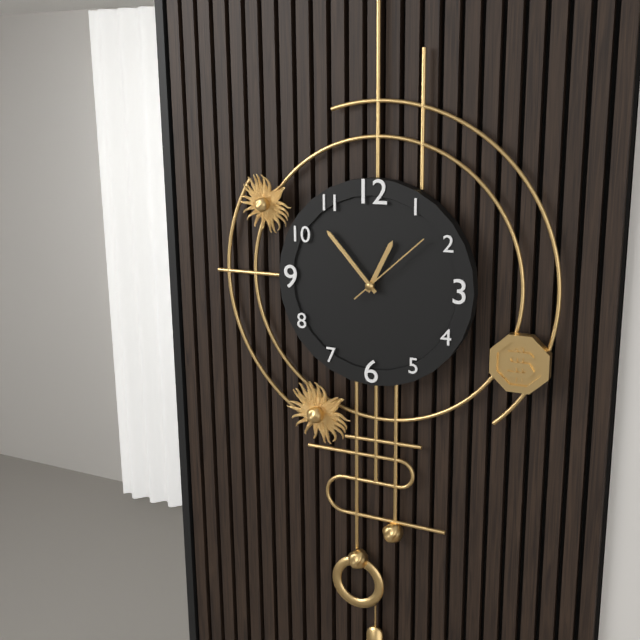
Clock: 12.53.08
